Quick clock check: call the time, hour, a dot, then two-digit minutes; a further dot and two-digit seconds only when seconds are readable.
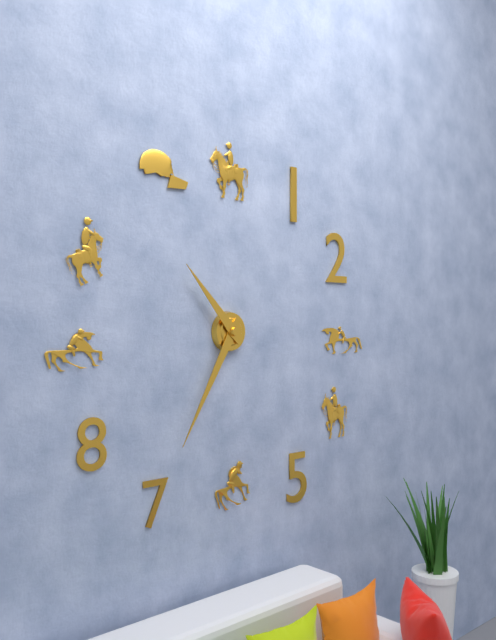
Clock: 10.35
